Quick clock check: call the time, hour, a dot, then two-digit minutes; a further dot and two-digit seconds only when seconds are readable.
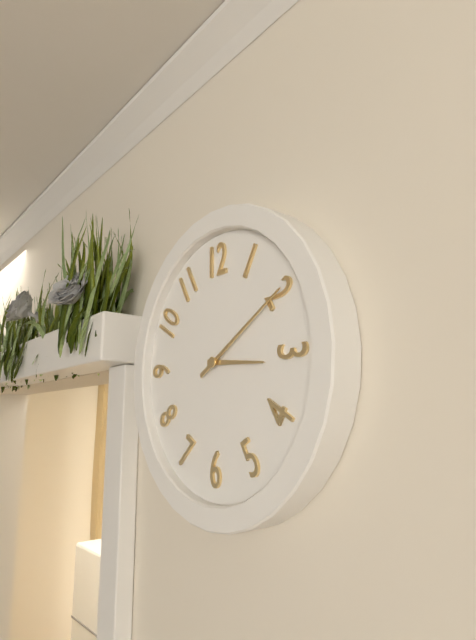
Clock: 3.10
